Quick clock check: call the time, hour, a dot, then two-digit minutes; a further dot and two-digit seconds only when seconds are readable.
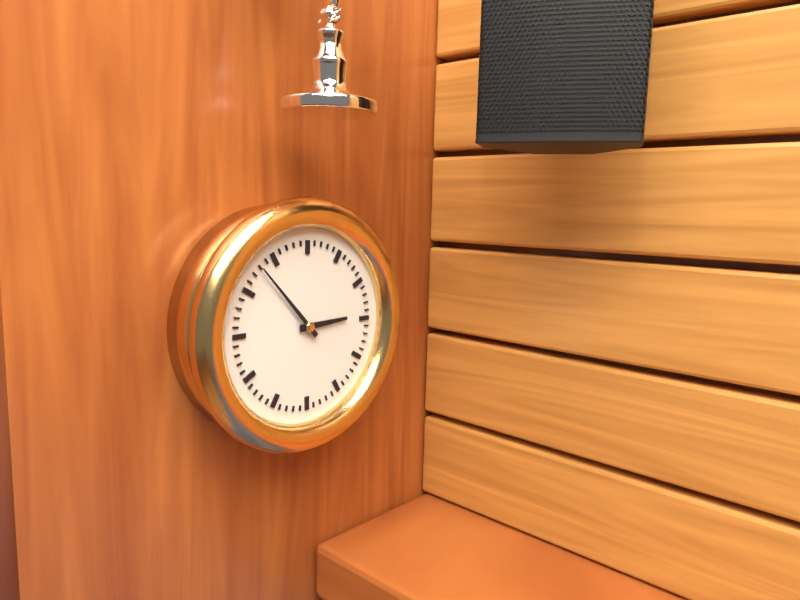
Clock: 2.53
